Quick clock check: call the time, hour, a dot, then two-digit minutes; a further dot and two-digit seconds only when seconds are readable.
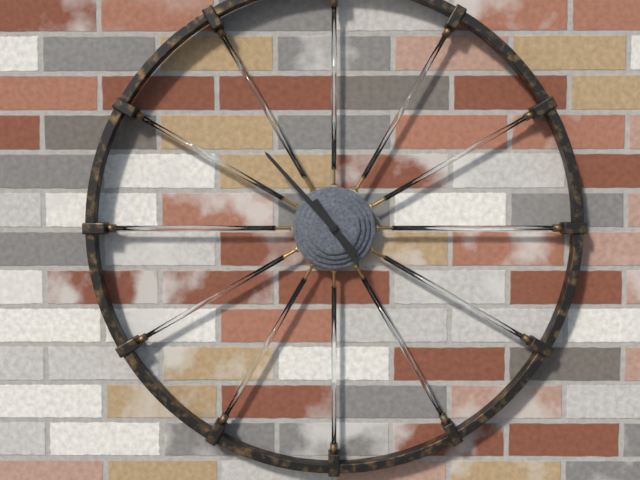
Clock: 4.53
